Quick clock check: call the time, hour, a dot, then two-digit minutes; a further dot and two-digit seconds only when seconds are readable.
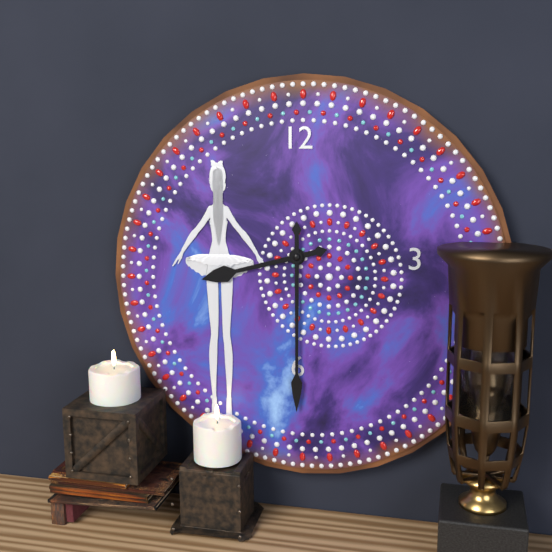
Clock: 8.30
